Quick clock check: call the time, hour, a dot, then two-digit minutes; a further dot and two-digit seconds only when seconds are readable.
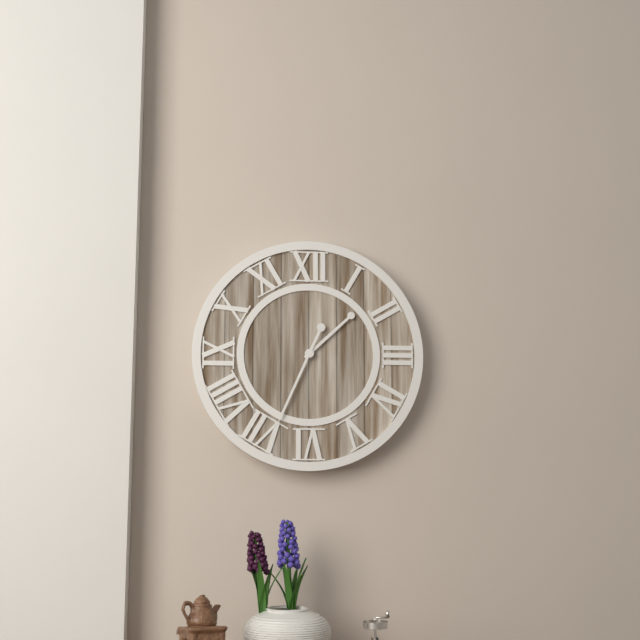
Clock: 1.34
